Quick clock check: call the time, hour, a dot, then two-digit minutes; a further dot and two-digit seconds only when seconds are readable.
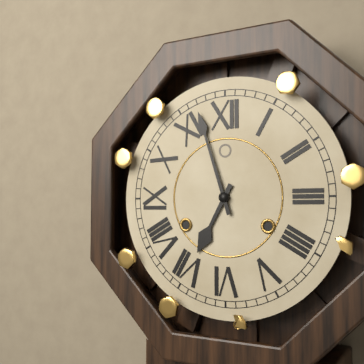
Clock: 6.57
